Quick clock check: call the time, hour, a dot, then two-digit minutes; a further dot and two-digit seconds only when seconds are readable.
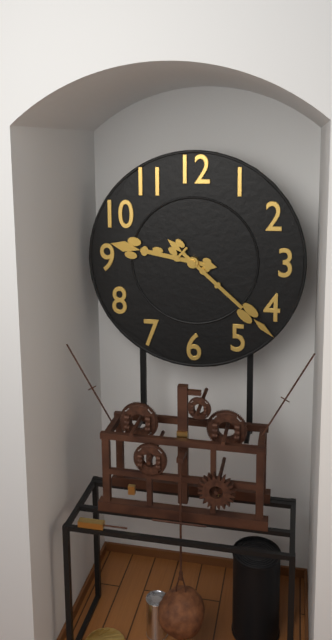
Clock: 9.22
